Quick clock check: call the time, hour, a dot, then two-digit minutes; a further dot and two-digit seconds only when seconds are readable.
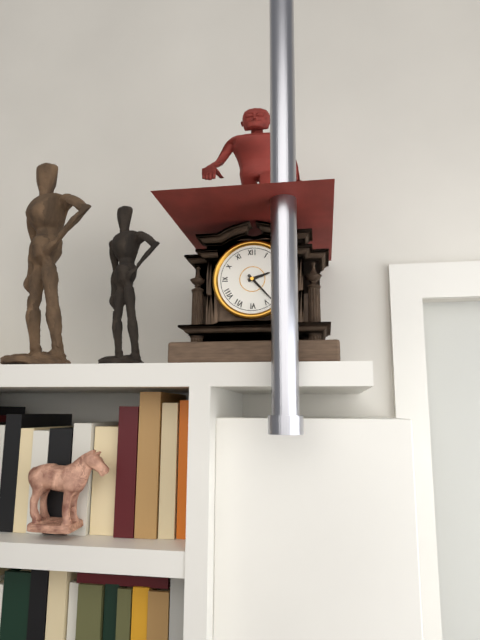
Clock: 2.23
